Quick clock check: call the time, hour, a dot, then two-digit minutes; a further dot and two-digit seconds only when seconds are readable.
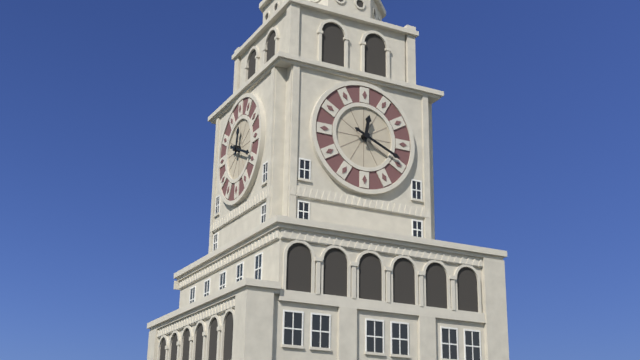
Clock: 12.19
